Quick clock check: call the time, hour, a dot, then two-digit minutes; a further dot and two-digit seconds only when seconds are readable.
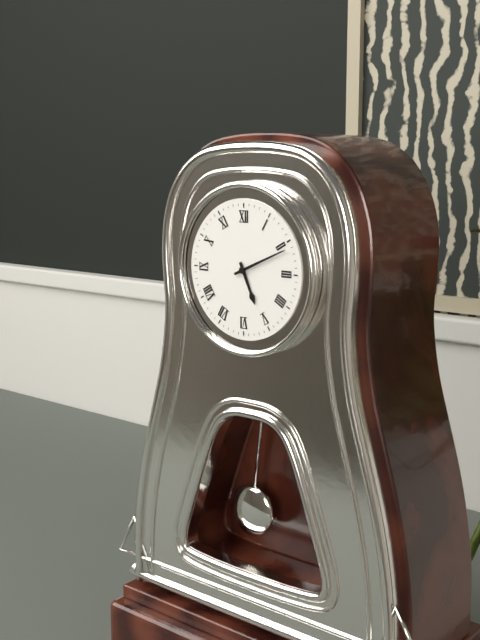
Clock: 5.11
